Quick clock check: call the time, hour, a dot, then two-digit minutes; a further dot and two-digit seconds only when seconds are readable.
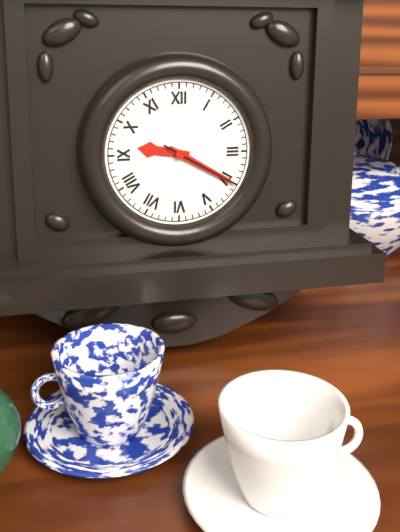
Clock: 9.20.20
